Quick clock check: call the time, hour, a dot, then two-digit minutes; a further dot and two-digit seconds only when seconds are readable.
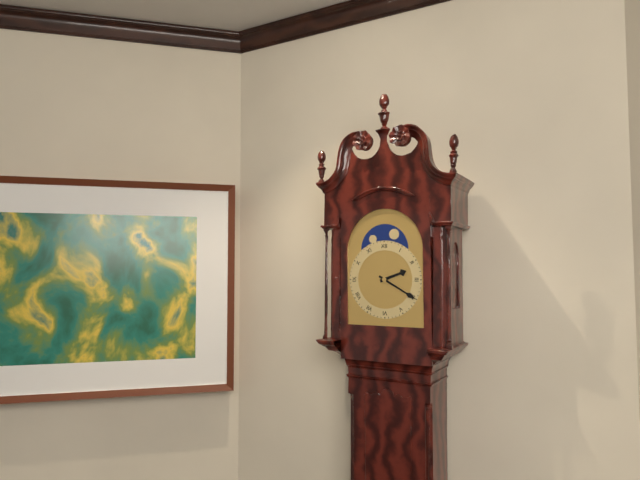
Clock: 2.20
